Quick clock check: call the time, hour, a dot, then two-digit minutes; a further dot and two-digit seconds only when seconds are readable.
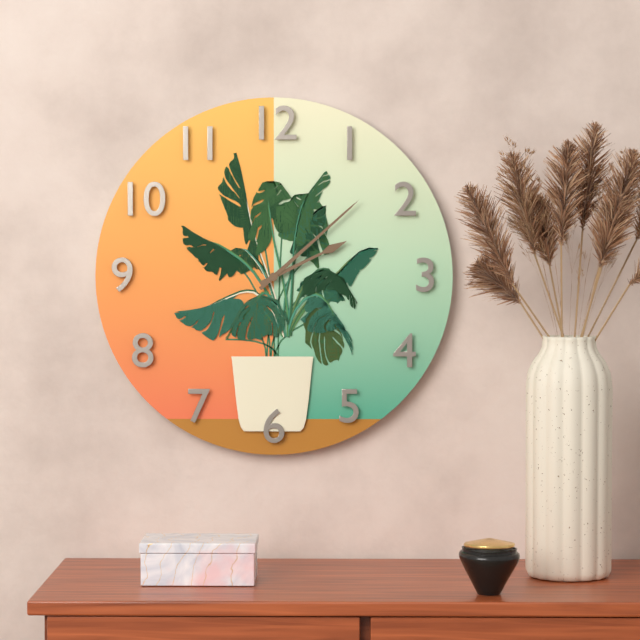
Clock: 2.08
